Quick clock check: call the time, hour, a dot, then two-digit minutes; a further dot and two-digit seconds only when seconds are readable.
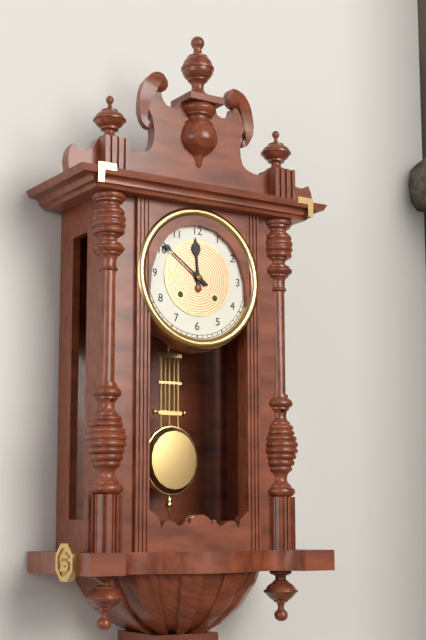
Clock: 11.51
